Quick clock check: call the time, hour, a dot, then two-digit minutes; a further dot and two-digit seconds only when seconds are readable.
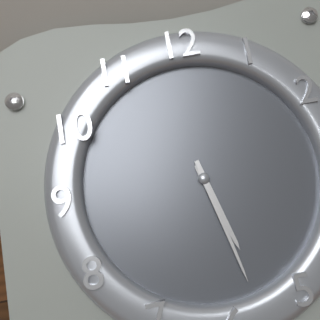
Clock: 5.28
